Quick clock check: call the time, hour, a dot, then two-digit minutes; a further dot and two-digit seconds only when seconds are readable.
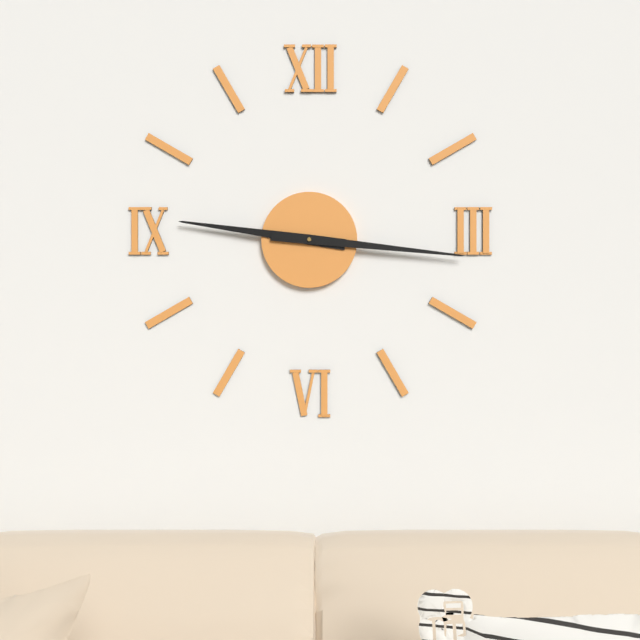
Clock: 9.16
